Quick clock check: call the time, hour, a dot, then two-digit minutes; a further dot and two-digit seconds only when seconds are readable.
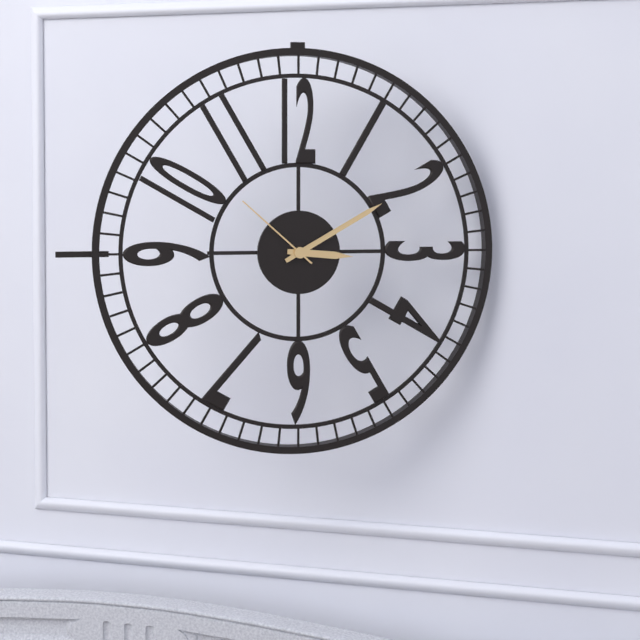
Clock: 3.10.52
